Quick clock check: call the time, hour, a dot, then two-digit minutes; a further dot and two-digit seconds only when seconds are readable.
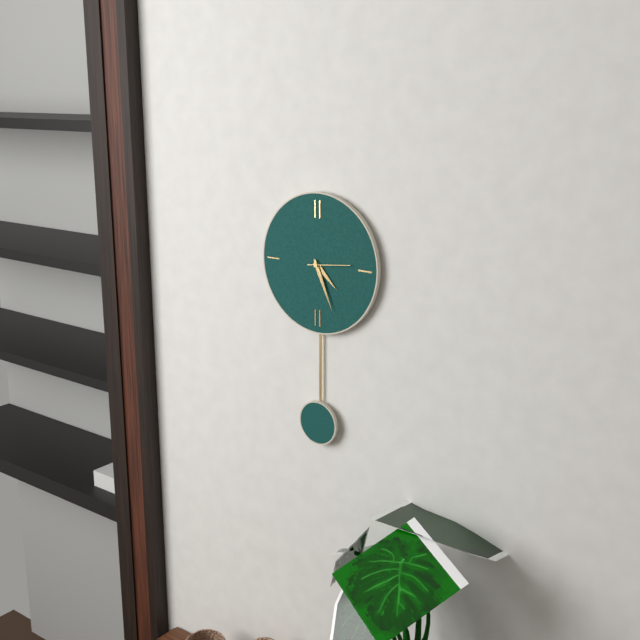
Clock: 4.26
